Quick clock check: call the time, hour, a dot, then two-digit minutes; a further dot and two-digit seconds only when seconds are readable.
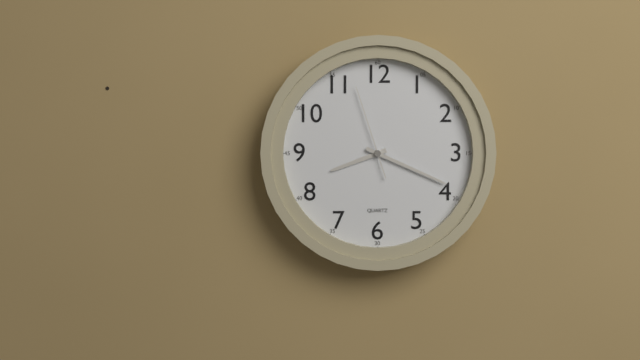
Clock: 8.19.57
